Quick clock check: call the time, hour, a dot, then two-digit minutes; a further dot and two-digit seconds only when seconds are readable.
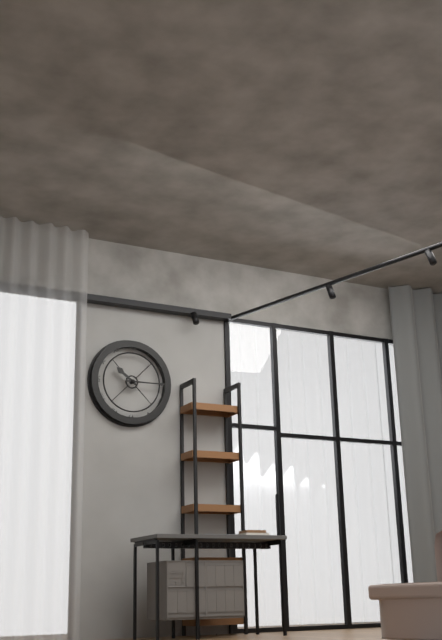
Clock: 10.15
